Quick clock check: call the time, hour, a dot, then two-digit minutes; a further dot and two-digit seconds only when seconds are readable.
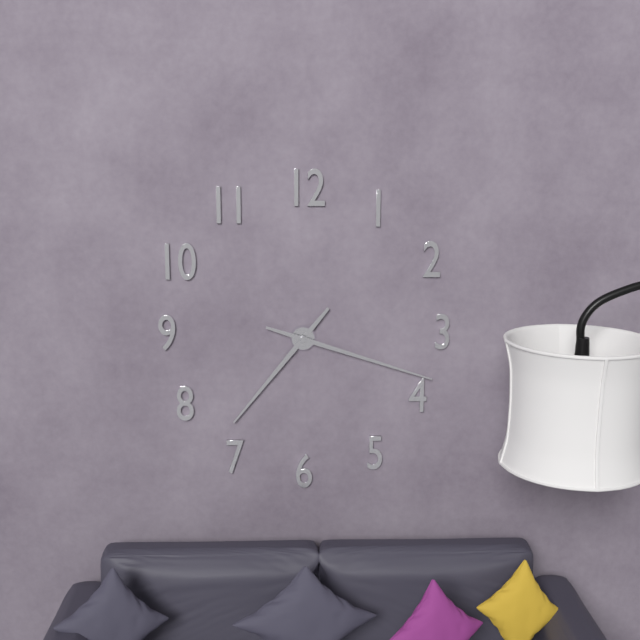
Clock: 7.18
